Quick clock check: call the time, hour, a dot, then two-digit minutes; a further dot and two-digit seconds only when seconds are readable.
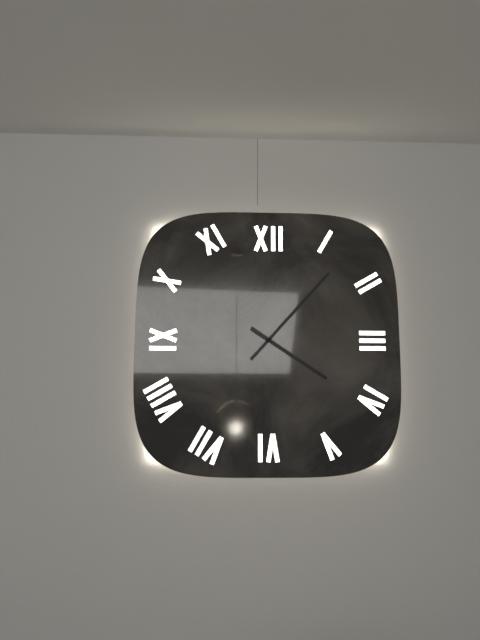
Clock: 4.07
